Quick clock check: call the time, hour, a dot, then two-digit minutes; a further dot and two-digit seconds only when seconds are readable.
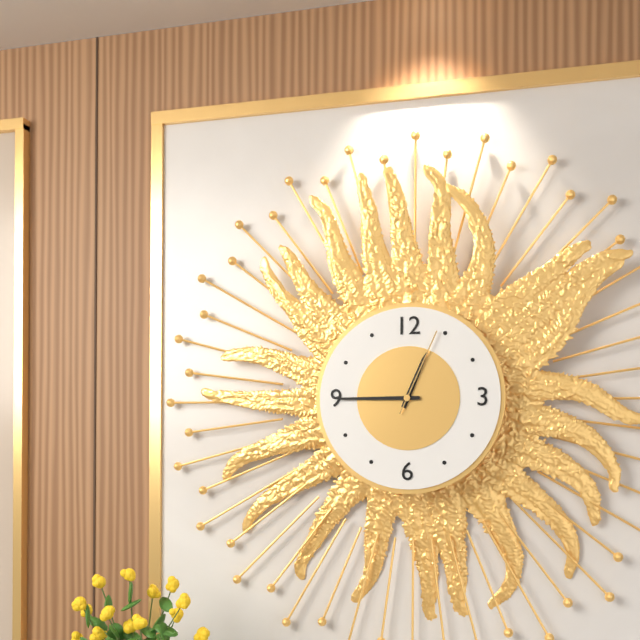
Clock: 12.45.04
